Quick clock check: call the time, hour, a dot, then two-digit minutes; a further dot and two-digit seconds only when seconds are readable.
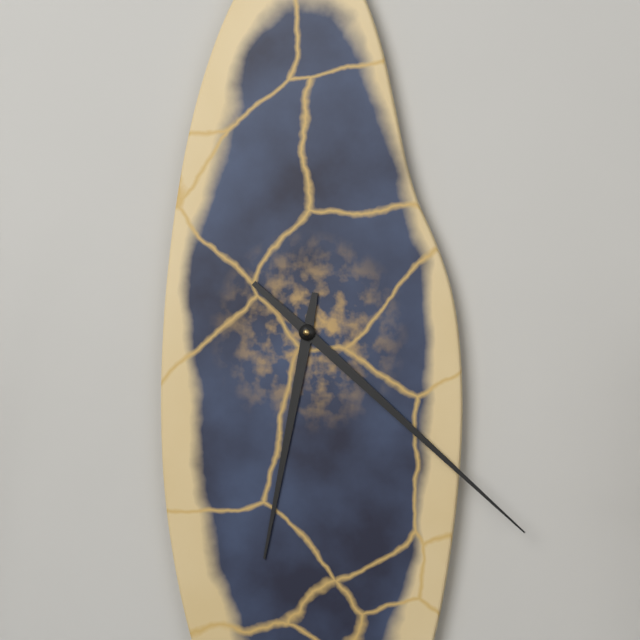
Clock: 6.22
